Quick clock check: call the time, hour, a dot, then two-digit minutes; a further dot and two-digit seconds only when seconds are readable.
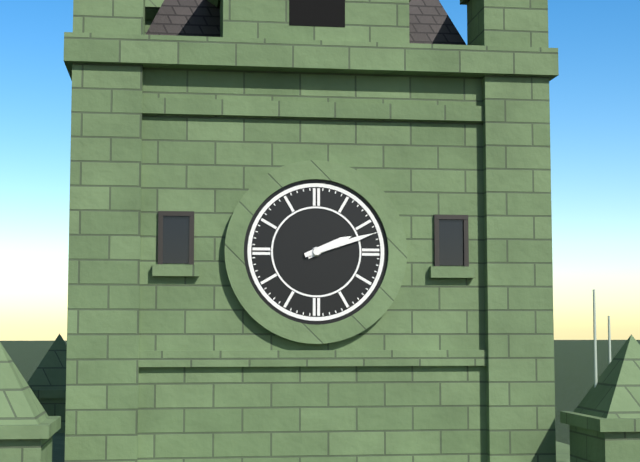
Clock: 2.12
